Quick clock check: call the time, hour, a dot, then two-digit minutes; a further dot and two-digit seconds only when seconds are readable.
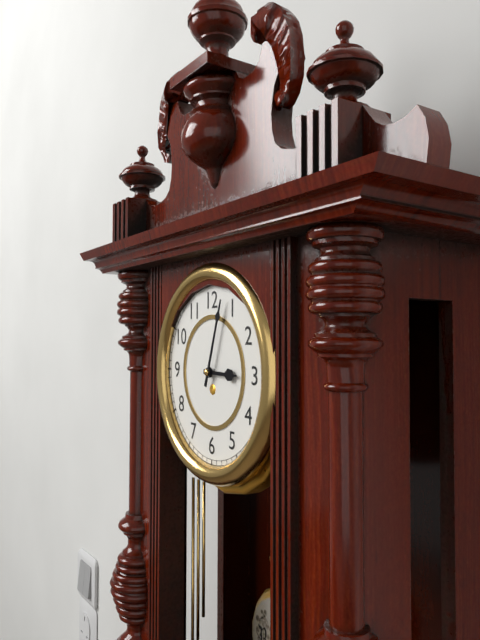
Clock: 3.03
